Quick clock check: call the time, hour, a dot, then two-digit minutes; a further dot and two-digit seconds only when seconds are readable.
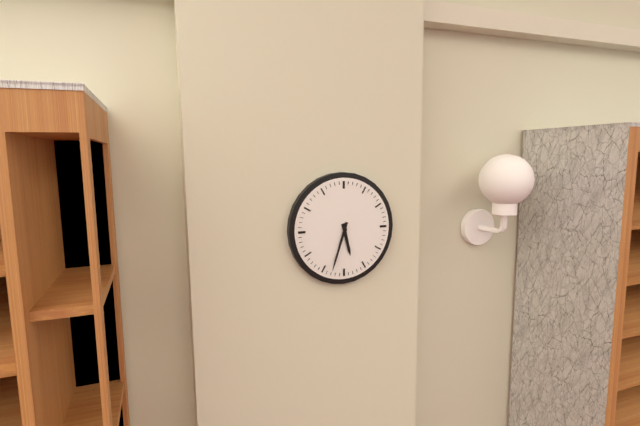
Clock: 5.33
